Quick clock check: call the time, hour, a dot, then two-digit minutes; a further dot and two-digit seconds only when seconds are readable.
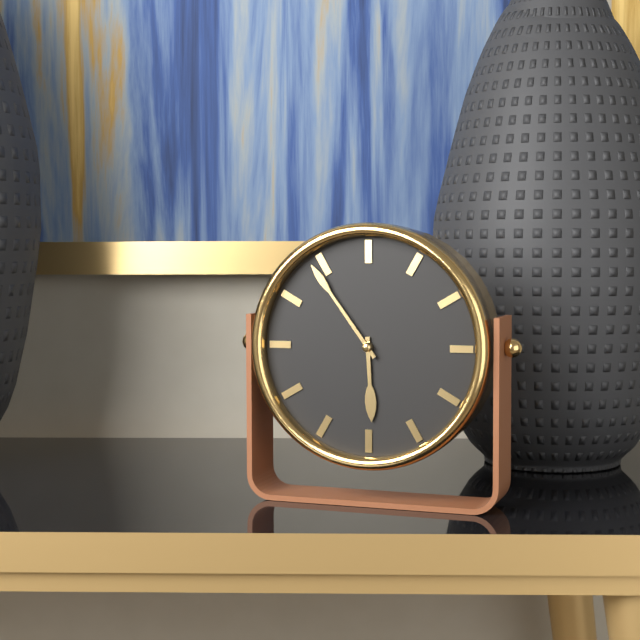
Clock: 5.54
